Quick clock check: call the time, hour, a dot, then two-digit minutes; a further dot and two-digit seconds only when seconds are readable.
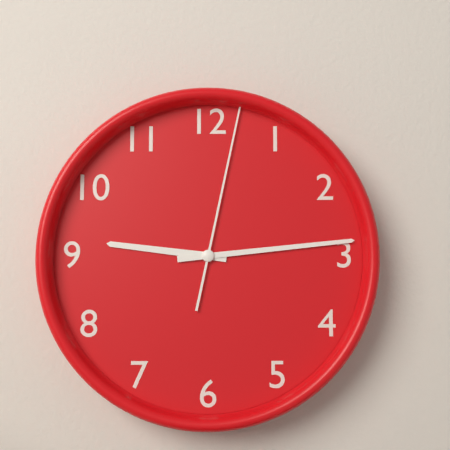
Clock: 9.14.02
